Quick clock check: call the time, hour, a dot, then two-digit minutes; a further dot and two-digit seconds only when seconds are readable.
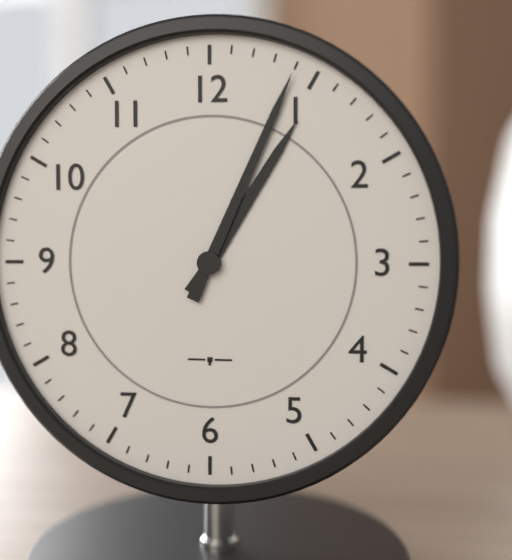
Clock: 1.04
